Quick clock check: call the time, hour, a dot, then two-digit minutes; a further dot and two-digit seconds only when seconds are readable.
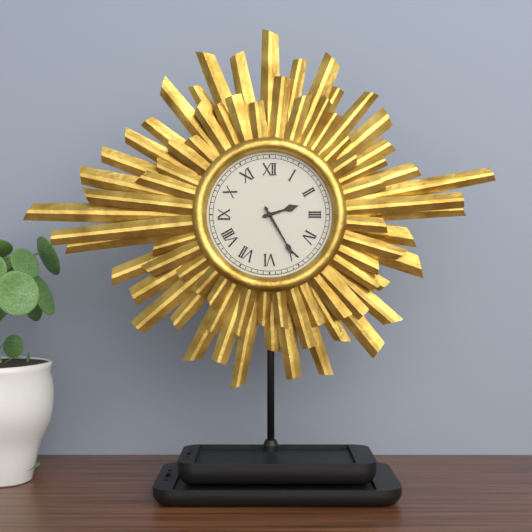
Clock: 2.25
